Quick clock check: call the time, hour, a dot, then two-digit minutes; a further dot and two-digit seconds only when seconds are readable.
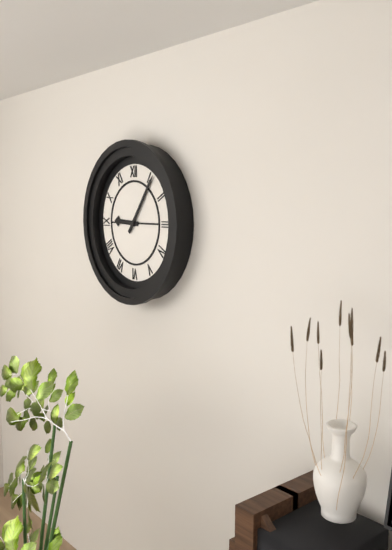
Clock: 9.06
